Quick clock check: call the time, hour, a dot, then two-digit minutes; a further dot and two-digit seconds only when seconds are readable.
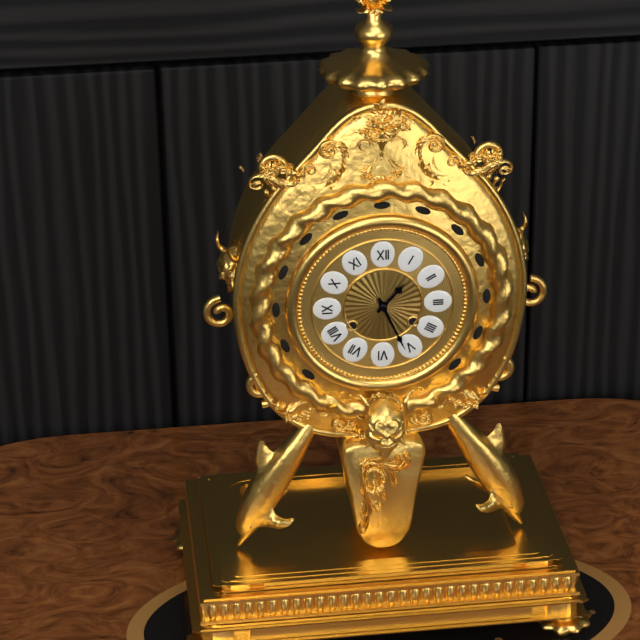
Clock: 1.26
